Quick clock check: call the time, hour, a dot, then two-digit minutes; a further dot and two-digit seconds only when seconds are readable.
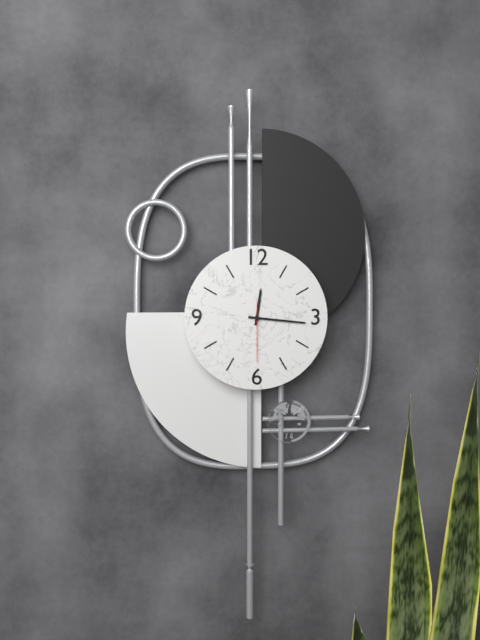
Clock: 12.16.30
